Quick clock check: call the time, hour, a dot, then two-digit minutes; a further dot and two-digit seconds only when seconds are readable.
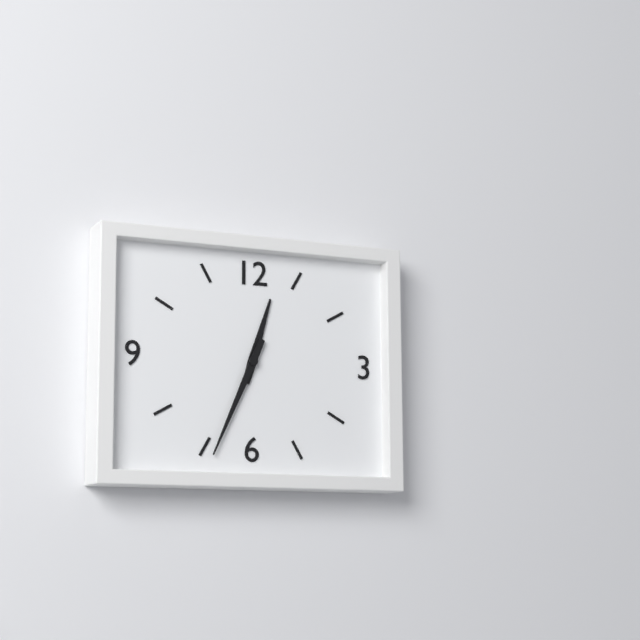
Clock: 12.34
